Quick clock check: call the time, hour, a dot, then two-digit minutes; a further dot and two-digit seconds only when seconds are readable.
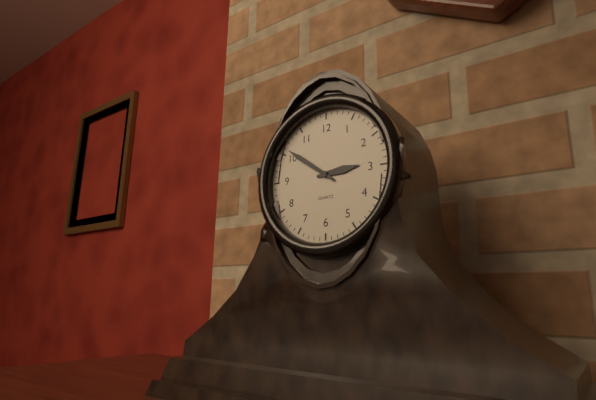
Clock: 2.51
